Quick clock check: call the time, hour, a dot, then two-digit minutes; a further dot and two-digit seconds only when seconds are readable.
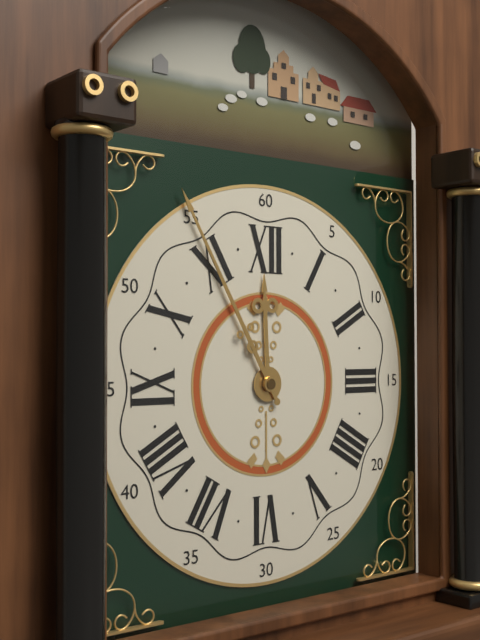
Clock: 11.55
